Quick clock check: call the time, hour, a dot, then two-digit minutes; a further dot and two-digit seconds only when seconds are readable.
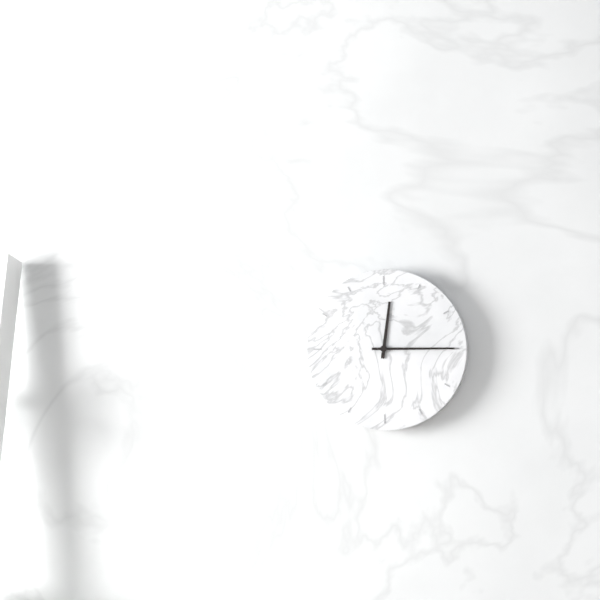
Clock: 12.15
